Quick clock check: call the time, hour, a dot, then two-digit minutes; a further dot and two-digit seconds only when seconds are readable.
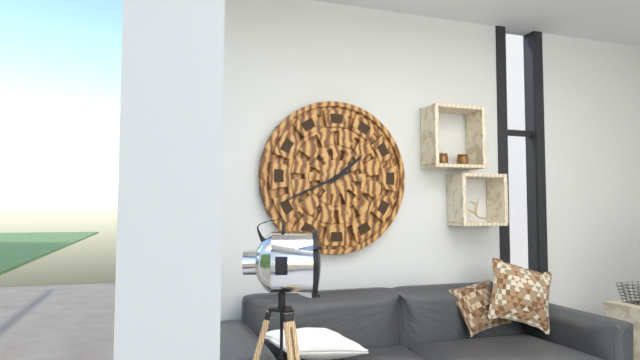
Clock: 1.41
